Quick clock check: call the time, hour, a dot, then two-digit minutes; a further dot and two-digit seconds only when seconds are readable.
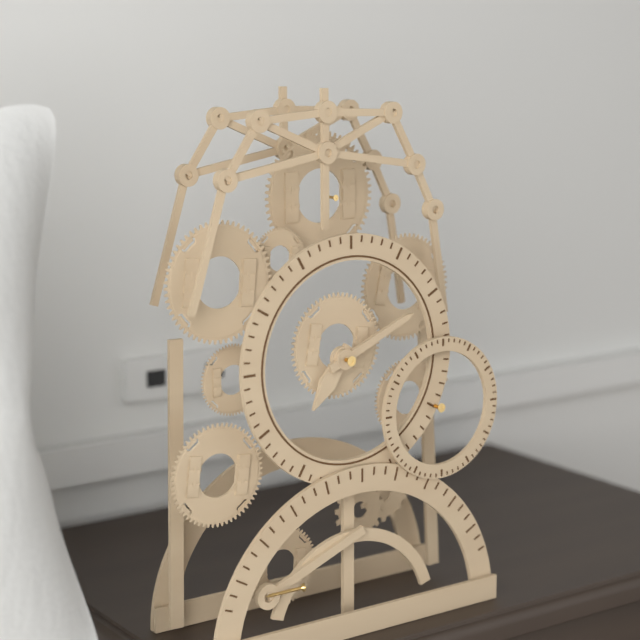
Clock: 7.11
